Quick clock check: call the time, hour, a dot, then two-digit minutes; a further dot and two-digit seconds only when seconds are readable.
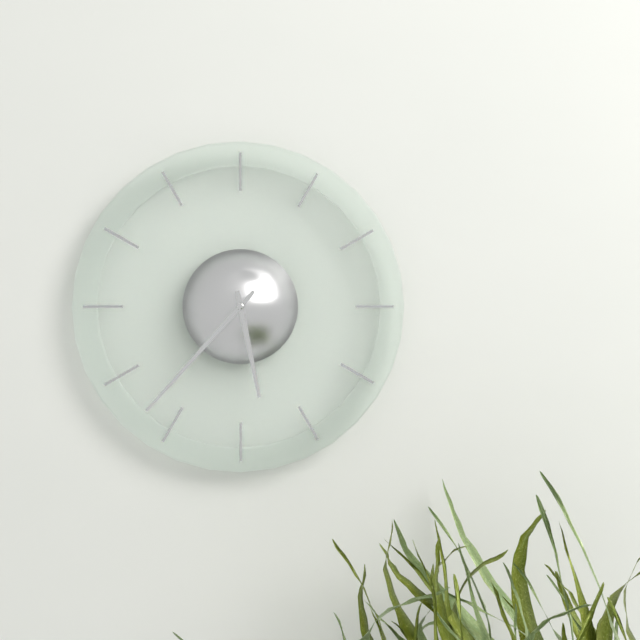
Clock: 5.37
